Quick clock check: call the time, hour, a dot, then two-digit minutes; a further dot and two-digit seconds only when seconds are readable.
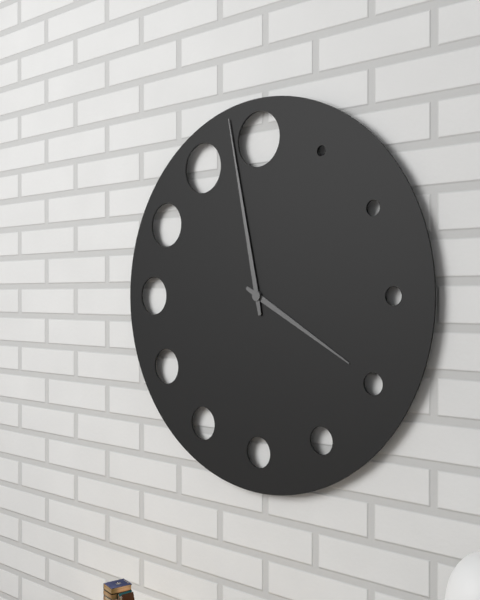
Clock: 3.58
